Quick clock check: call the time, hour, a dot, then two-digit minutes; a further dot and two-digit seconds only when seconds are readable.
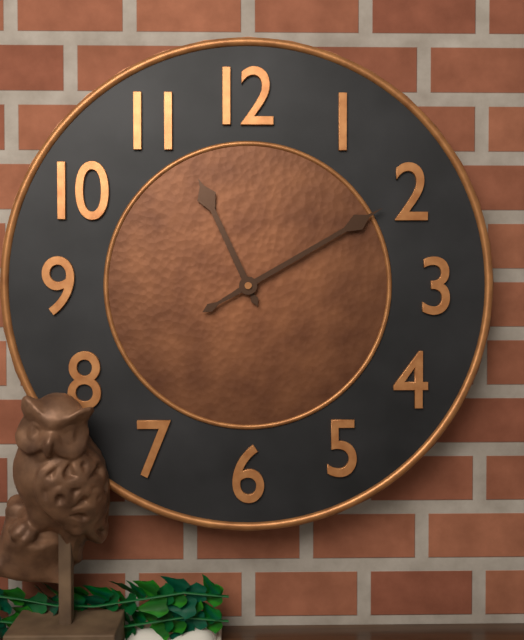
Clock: 11.10
